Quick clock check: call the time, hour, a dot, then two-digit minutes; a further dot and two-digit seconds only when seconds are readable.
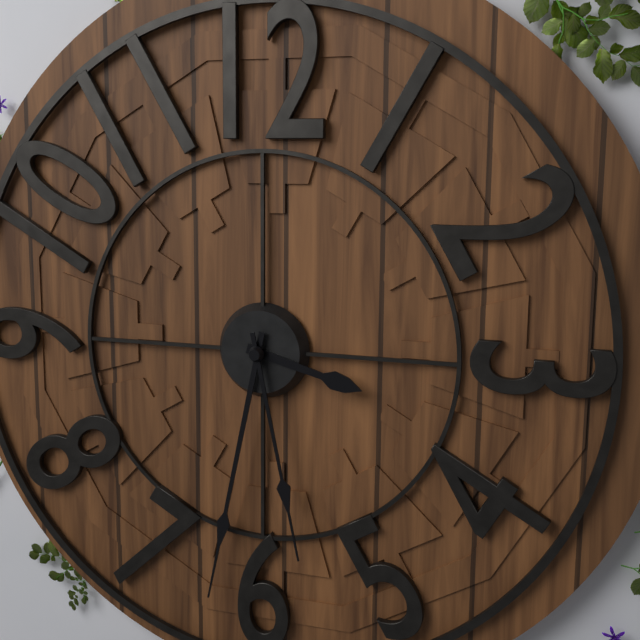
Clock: 3.32.28
